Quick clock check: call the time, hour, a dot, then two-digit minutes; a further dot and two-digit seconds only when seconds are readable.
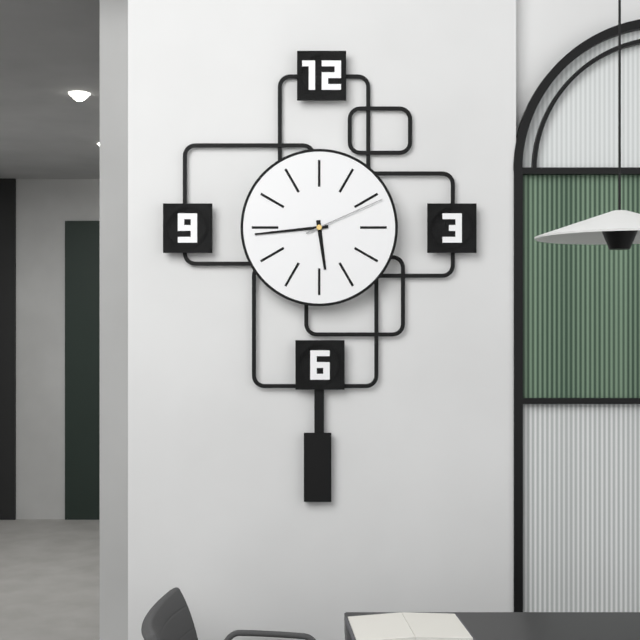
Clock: 5.44.11
